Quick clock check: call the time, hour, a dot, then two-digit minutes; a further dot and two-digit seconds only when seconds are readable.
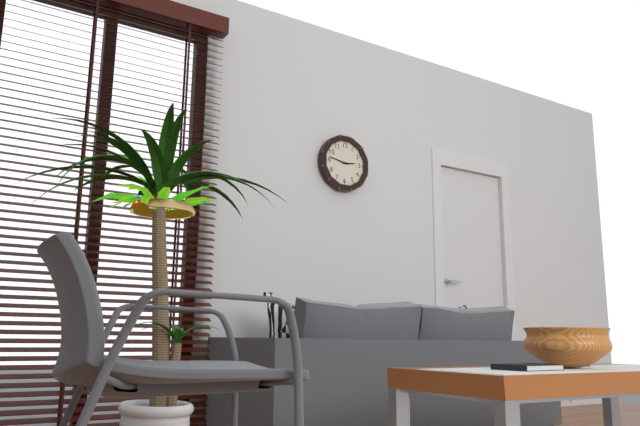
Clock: 2.47
